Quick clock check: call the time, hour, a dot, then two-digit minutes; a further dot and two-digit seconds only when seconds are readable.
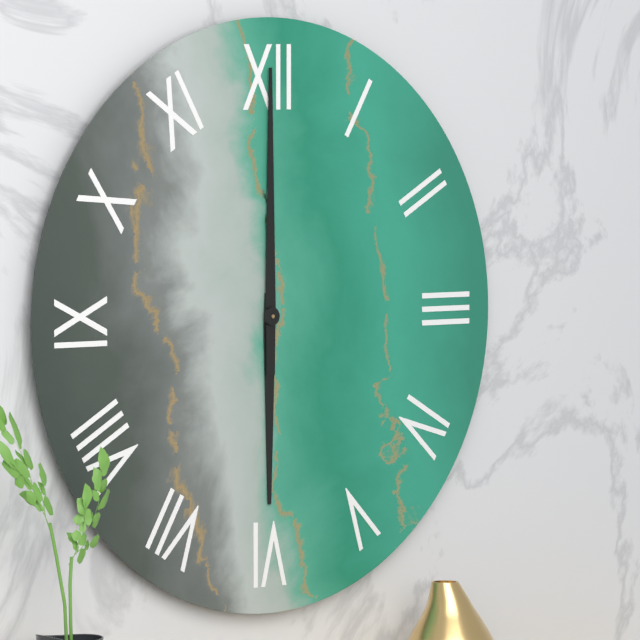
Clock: 6.00
